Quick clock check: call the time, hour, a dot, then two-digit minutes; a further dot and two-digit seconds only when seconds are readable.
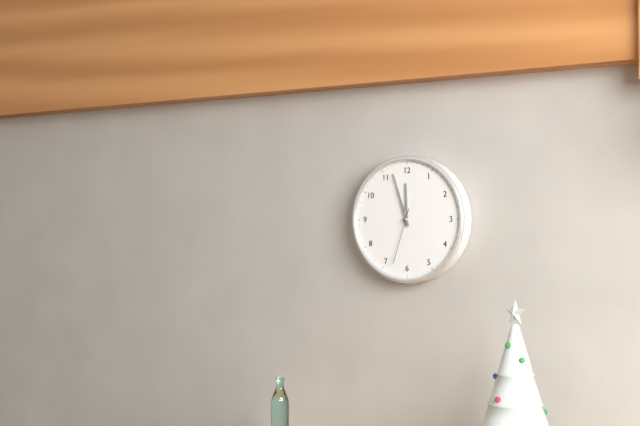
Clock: 11.57.33
